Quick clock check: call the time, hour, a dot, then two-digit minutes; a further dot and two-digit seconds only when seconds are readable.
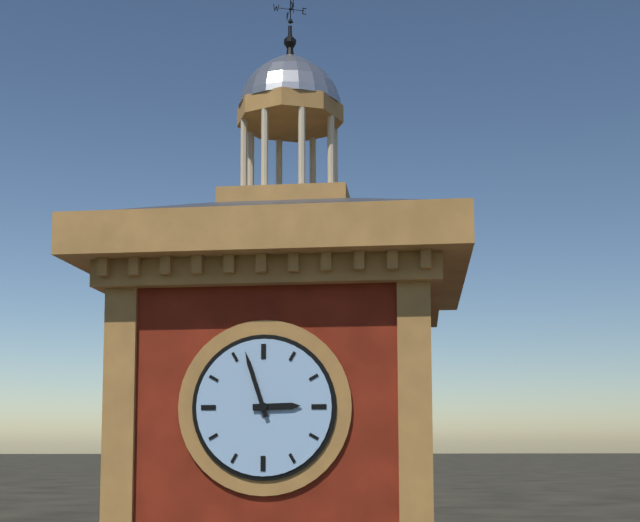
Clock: 2.57
